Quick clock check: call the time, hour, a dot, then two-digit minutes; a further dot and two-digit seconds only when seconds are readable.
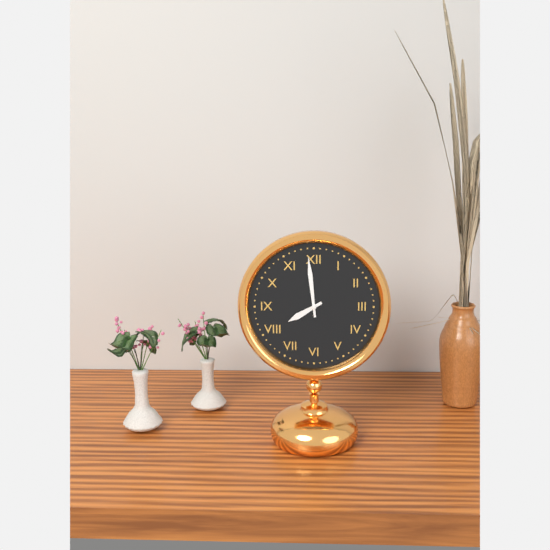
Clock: 7.59
